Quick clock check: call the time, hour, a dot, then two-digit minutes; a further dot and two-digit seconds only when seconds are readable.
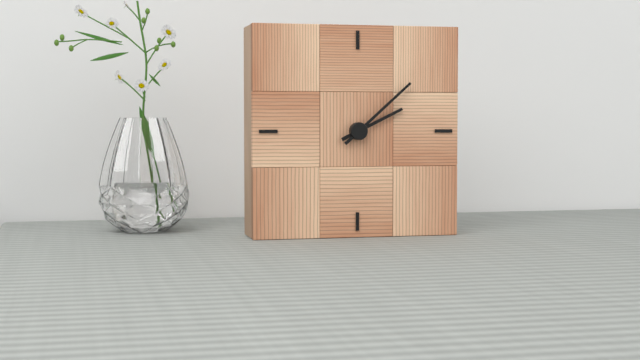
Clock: 2.08
